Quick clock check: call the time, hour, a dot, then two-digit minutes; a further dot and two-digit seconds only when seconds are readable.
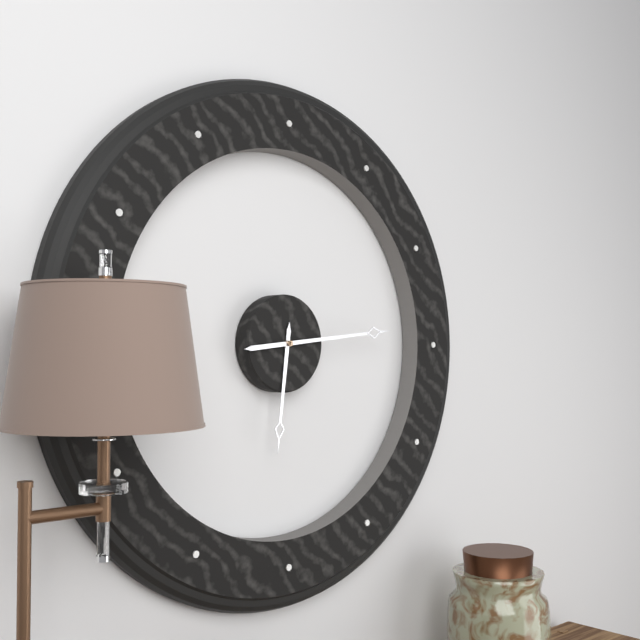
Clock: 6.14
